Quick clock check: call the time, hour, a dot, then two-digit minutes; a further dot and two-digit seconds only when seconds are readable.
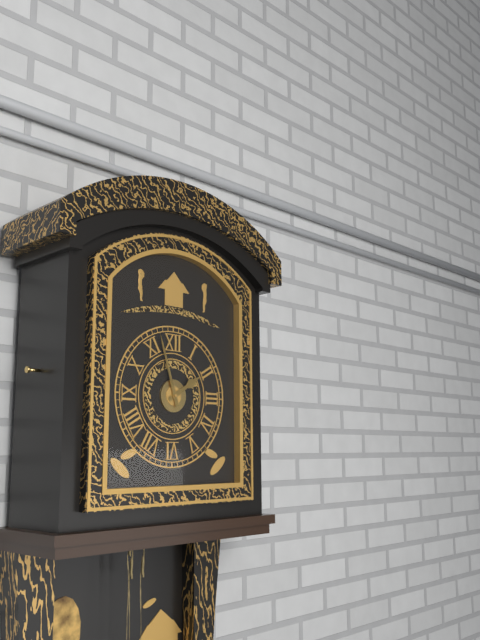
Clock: 1.57
